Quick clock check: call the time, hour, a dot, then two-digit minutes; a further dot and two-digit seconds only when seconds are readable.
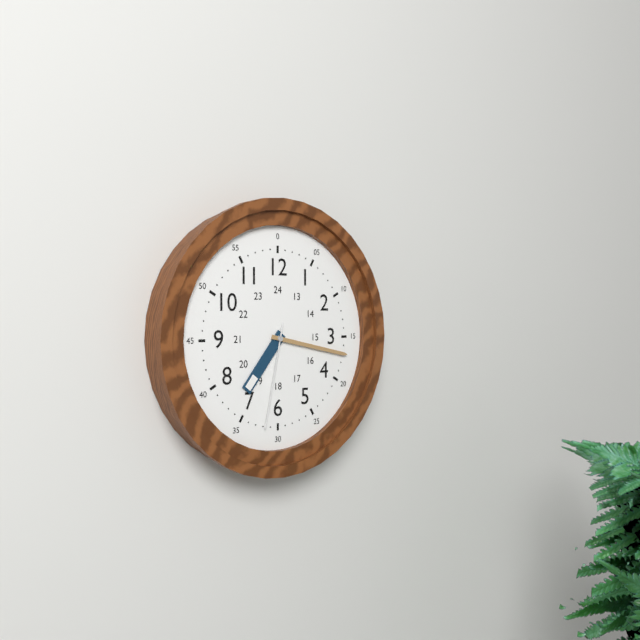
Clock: 7.17.32
